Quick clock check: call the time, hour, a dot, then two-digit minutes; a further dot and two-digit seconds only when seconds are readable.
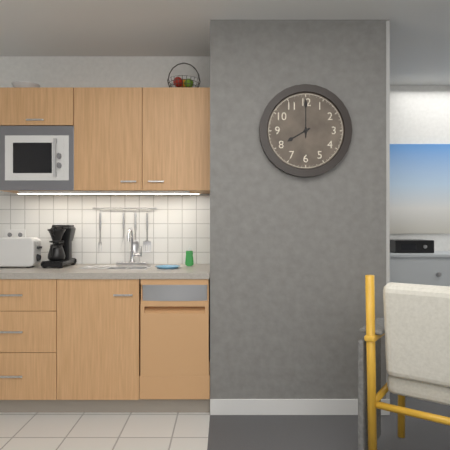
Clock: 8.00
